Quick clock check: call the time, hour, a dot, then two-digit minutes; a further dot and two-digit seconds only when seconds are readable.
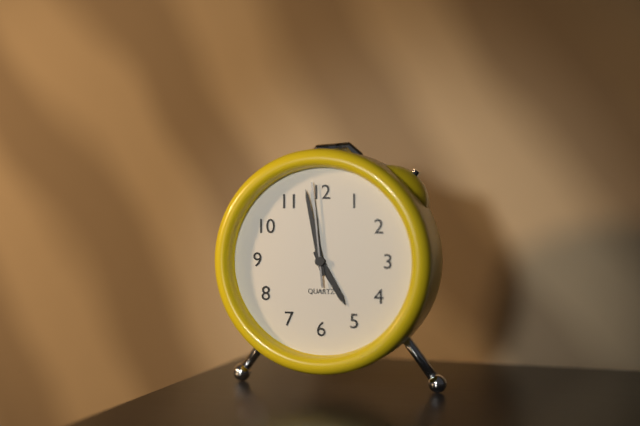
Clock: 4.58.59
